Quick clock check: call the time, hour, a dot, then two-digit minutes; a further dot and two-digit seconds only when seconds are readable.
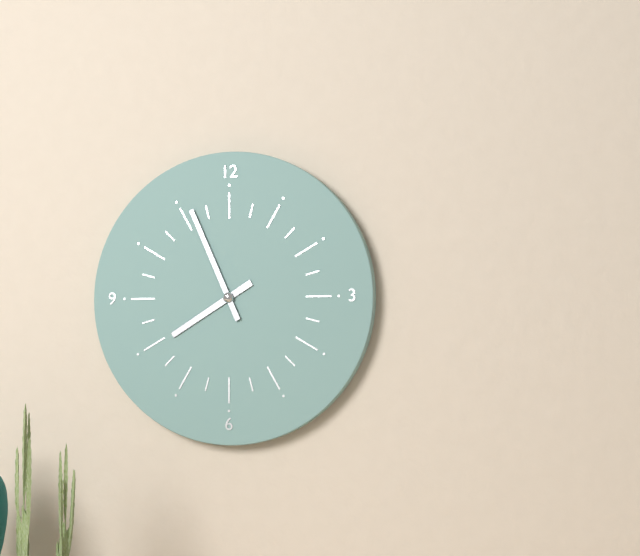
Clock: 7.56
